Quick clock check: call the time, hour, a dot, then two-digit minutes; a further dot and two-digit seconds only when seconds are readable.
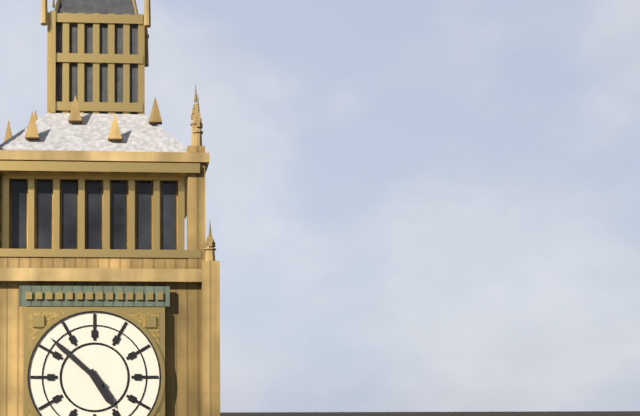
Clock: 4.52
